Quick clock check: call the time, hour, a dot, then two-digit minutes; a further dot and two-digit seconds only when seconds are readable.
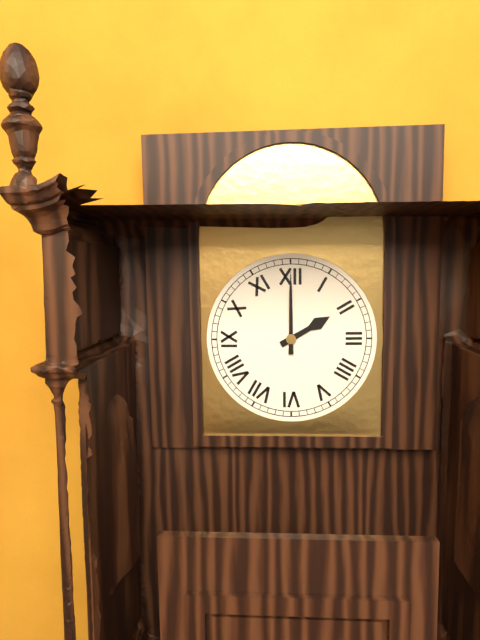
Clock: 2.00
